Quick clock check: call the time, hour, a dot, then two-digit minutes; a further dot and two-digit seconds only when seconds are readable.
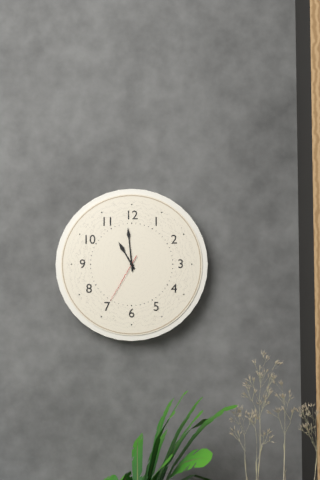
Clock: 10.59.35
